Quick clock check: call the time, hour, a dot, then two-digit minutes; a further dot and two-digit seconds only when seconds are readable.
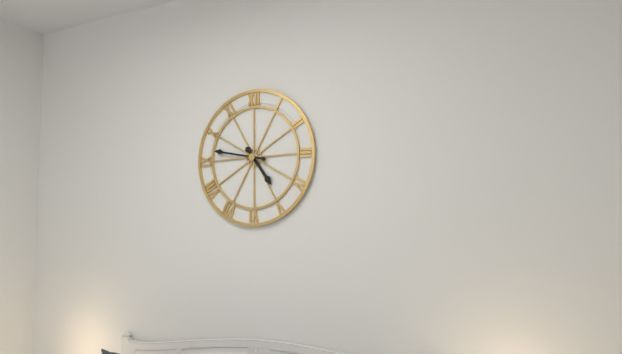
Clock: 4.47
